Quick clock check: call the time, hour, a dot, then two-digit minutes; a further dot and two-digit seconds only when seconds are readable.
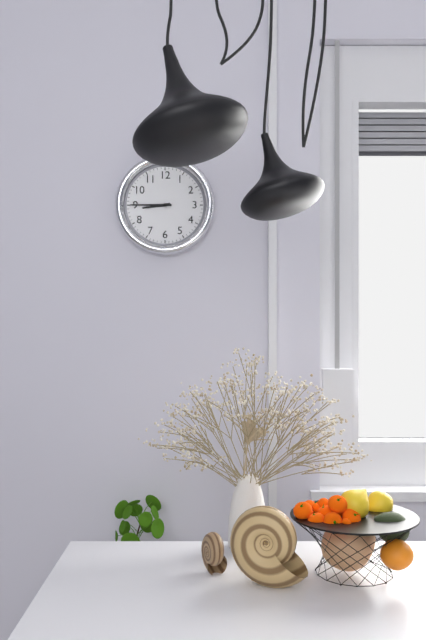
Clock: 8.45
